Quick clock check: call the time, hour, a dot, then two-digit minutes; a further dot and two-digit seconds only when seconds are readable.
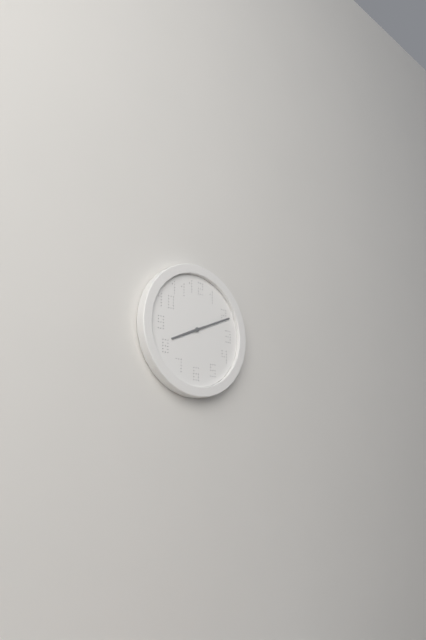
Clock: 8.11
